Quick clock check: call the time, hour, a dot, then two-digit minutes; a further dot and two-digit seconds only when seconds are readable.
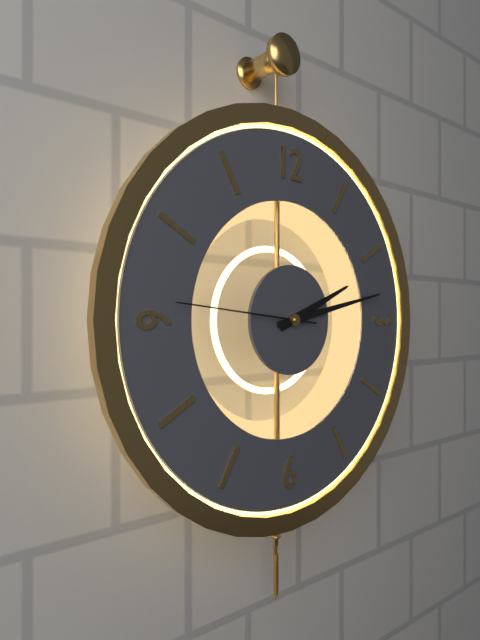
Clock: 2.13.46
